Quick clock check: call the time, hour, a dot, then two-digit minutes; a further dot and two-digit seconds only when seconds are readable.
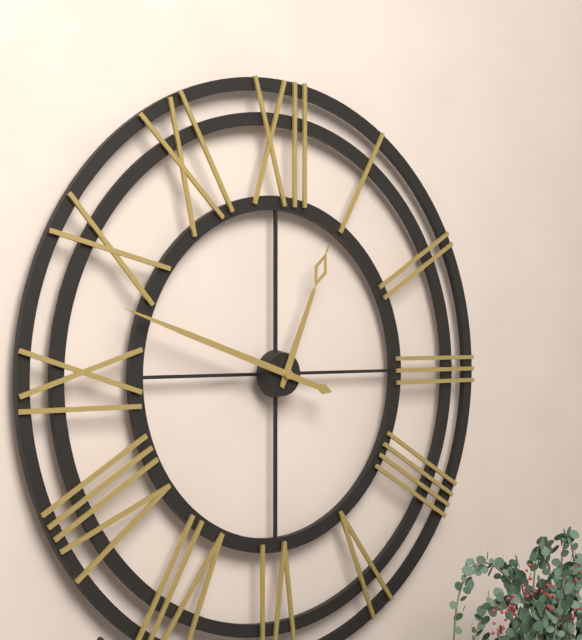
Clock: 12.48
